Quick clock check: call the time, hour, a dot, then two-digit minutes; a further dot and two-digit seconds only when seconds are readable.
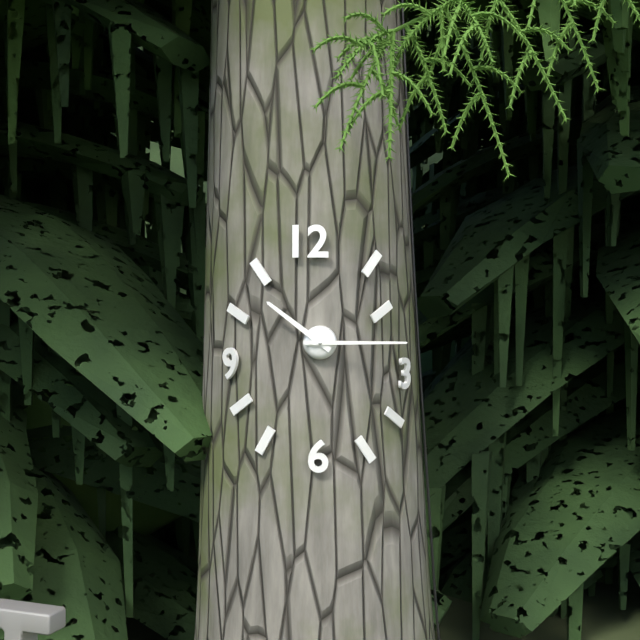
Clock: 10.15
